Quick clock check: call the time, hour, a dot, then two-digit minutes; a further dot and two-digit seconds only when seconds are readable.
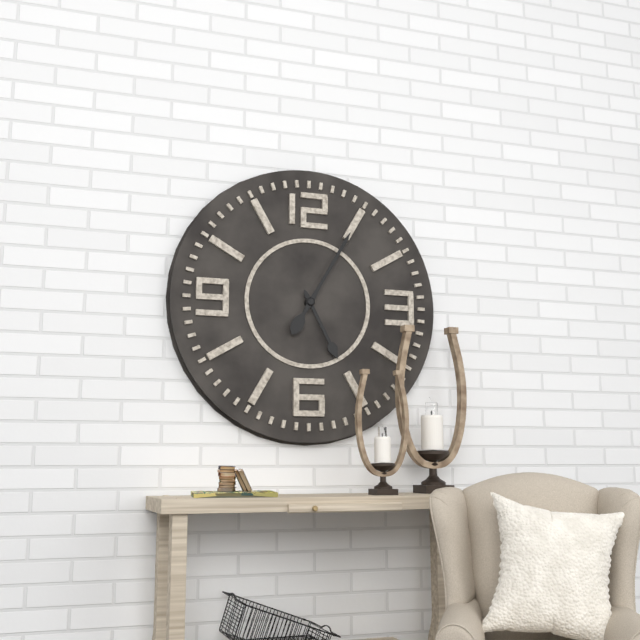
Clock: 5.05
